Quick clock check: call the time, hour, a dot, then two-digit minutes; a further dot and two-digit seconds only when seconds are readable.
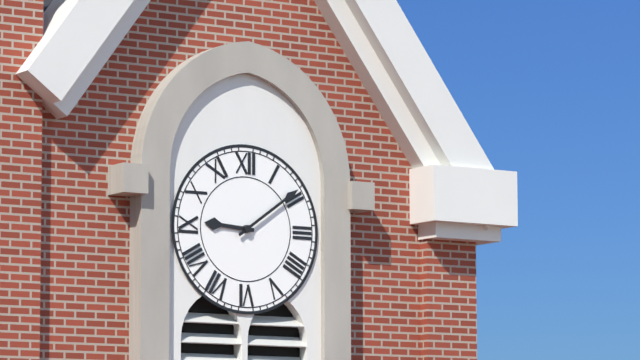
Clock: 9.09
